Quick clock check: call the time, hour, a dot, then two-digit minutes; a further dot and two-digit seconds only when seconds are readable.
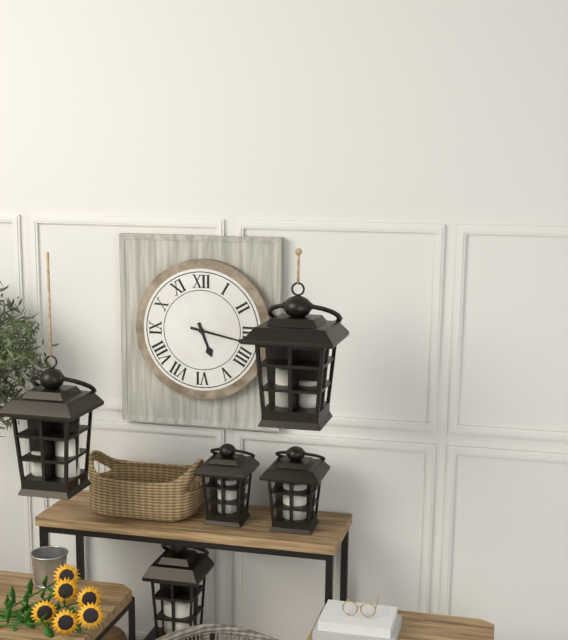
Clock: 5.17
